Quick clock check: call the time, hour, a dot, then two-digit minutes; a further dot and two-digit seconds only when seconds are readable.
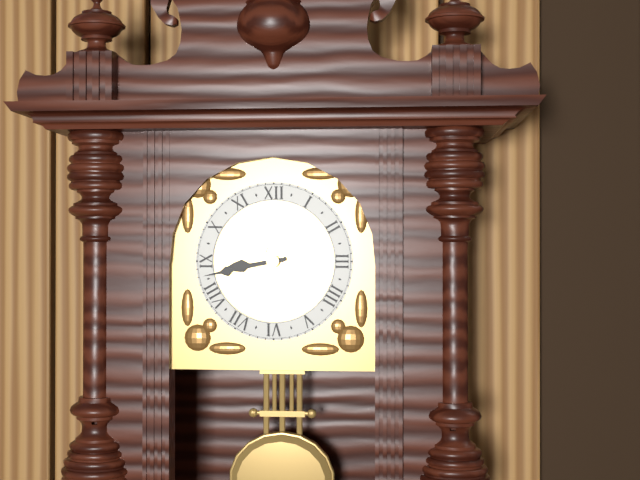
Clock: 8.43
